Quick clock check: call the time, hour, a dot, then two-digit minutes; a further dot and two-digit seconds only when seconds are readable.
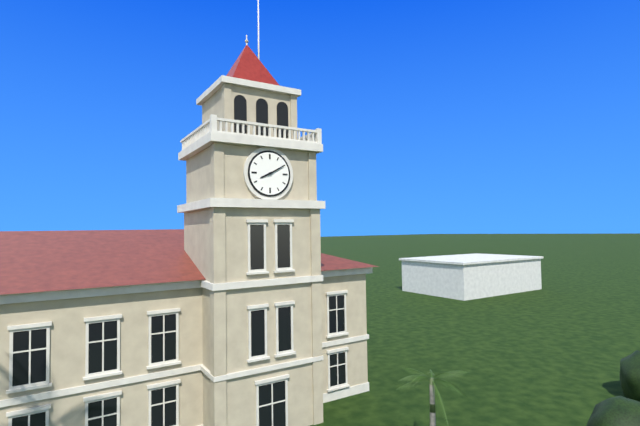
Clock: 8.10
